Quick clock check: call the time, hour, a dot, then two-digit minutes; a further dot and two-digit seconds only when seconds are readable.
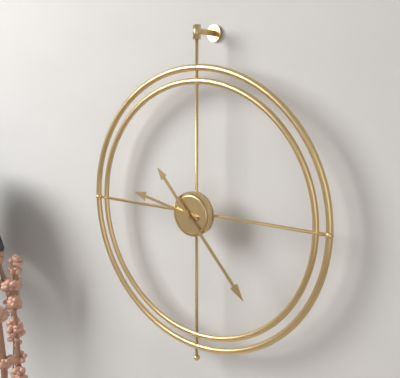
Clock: 9.23
